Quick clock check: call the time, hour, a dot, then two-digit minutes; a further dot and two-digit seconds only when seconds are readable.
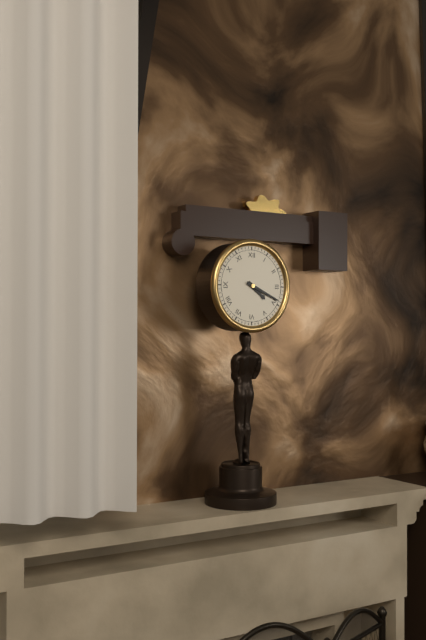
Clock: 4.19
